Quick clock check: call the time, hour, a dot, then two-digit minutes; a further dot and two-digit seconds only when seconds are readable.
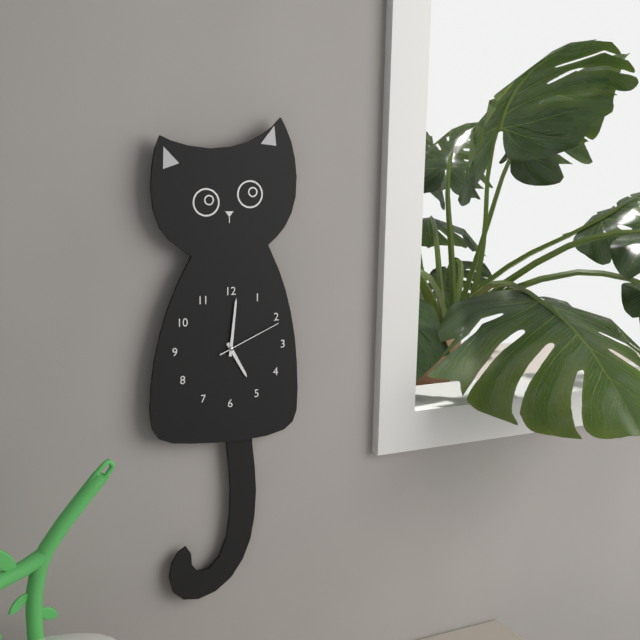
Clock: 5.01.11
